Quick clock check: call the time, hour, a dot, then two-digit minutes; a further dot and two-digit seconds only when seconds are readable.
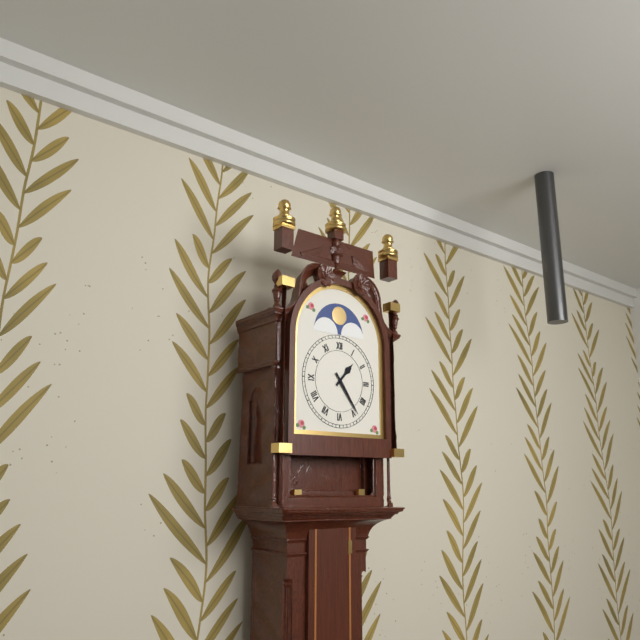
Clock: 1.24
